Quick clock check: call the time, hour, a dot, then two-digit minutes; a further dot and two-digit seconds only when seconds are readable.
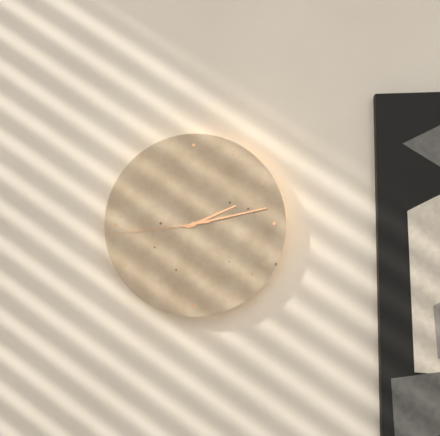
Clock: 2.13.44
